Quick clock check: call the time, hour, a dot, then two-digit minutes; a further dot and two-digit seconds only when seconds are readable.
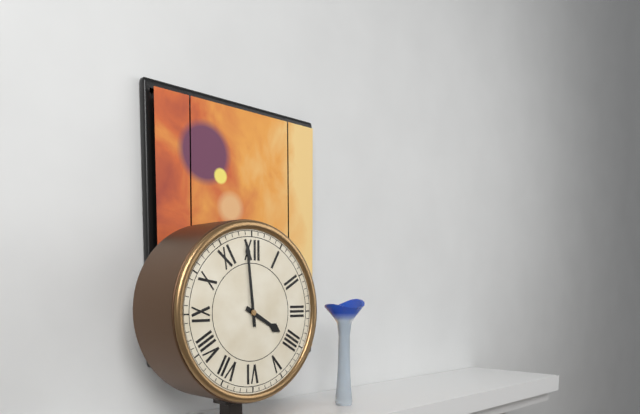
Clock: 3.59
